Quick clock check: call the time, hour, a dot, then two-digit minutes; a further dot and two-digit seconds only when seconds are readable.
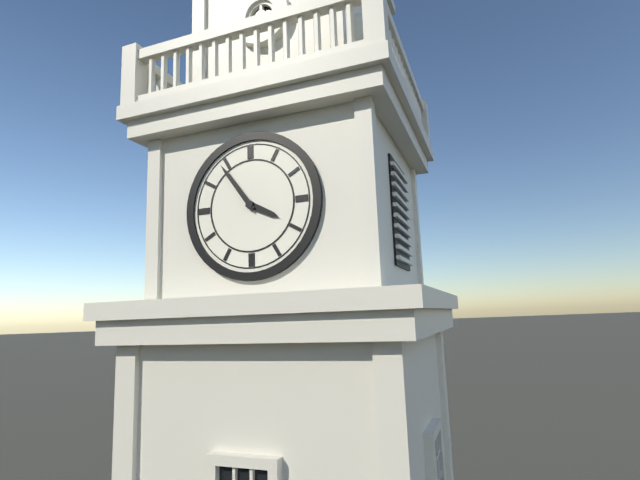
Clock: 3.54
